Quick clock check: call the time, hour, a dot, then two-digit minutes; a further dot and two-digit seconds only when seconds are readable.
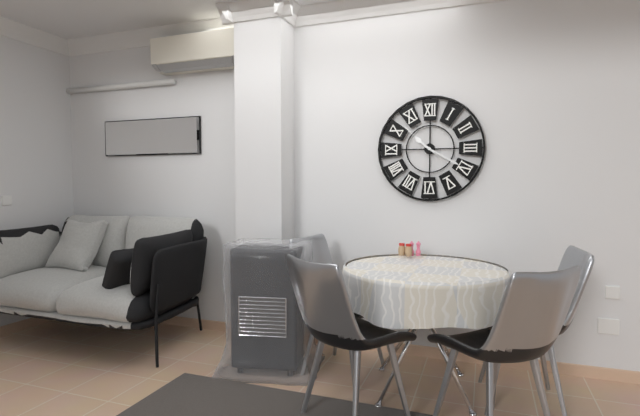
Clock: 10.20
